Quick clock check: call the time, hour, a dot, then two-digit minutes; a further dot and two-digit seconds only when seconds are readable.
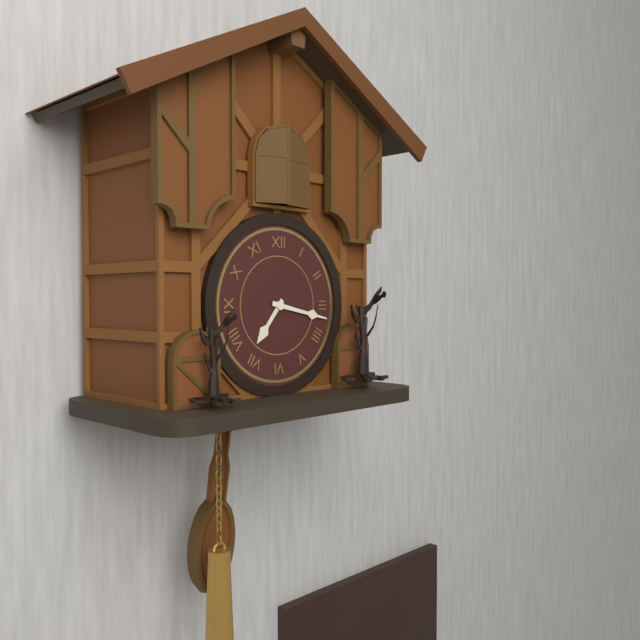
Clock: 7.17
